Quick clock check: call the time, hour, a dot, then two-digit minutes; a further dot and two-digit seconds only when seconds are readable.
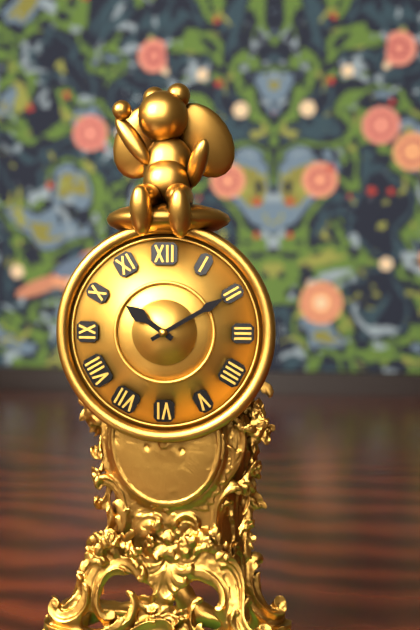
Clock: 10.10
